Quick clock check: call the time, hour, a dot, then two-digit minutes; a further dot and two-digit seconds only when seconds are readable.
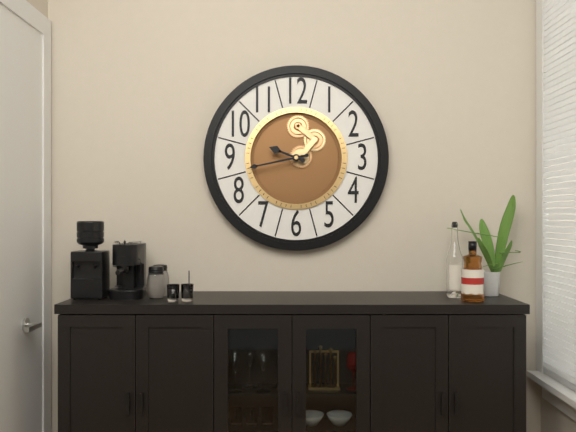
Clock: 9.43
